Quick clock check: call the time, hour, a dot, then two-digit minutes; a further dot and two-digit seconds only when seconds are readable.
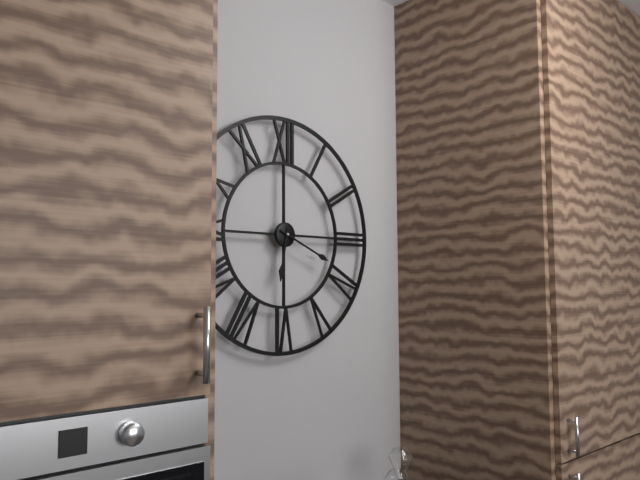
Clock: 6.19
